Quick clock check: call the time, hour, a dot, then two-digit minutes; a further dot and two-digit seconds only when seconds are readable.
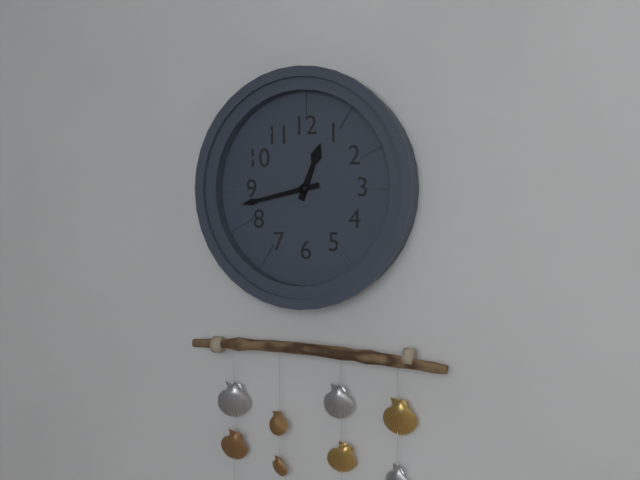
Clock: 12.43
